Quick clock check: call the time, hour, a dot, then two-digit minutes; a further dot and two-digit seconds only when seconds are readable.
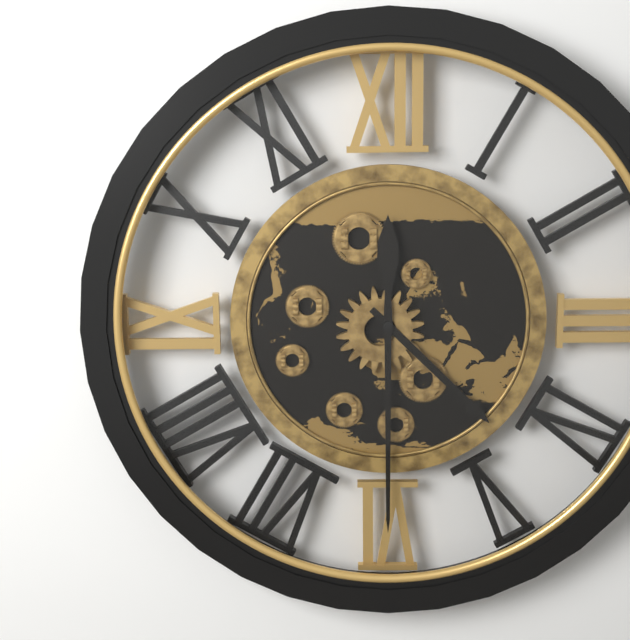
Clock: 4.30
